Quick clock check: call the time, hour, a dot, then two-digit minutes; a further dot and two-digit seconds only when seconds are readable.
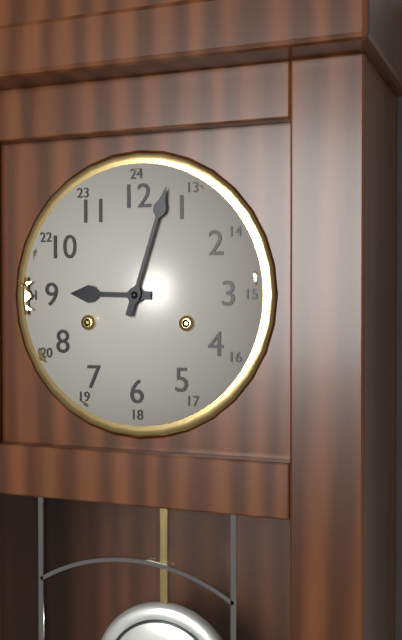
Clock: 9.03
